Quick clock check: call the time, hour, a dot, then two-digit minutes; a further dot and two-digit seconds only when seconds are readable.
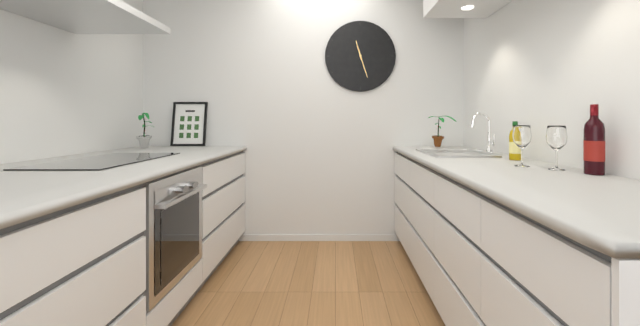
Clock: 11.27
